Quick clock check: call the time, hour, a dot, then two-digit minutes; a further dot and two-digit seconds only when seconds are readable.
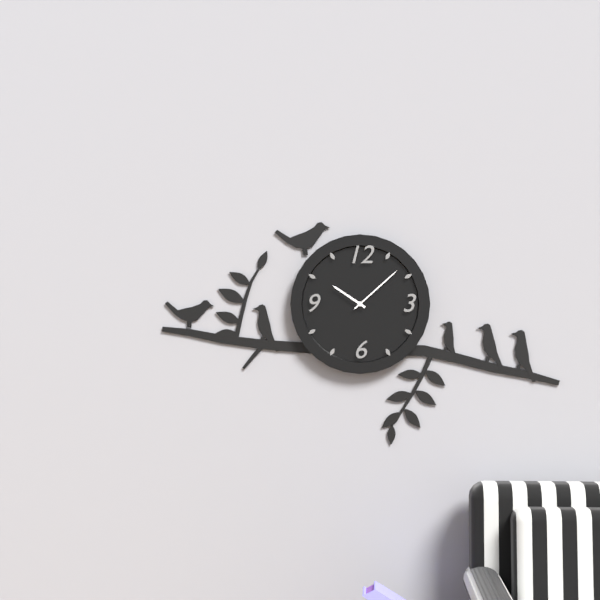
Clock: 10.08
